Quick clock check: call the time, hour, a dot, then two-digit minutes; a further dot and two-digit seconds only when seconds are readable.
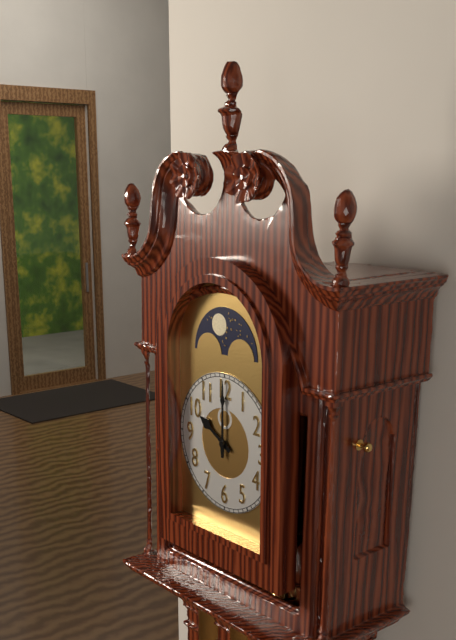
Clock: 10.00
